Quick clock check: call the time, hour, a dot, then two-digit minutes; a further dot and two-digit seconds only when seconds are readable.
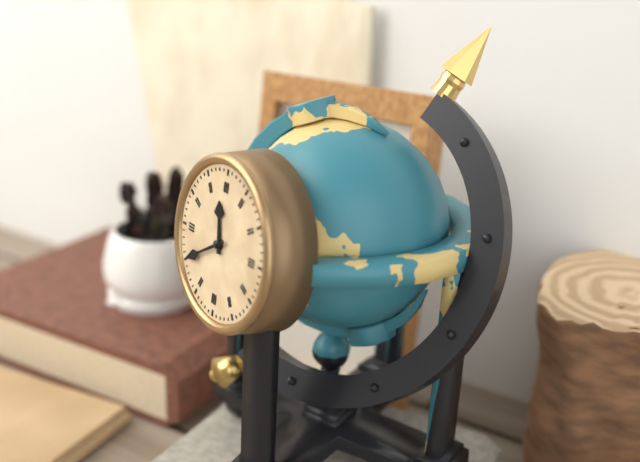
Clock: 11.40
